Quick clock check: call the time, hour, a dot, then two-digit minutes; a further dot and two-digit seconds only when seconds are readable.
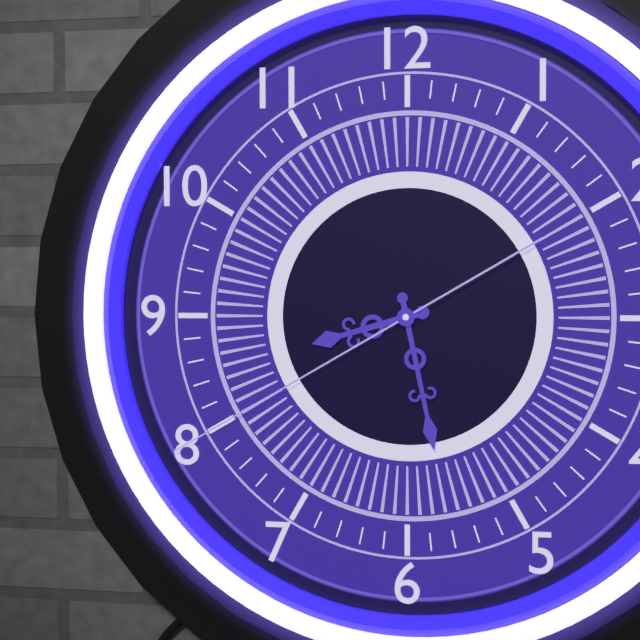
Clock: 8.28.40
